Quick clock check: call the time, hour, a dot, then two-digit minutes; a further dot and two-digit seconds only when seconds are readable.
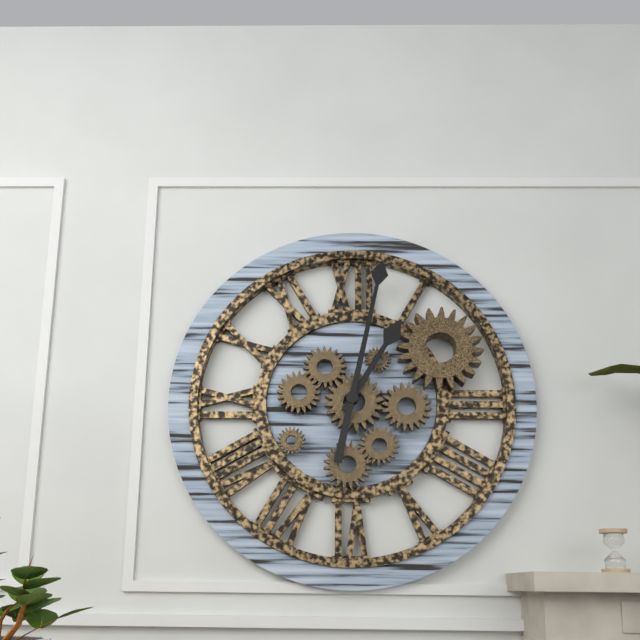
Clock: 1.02
